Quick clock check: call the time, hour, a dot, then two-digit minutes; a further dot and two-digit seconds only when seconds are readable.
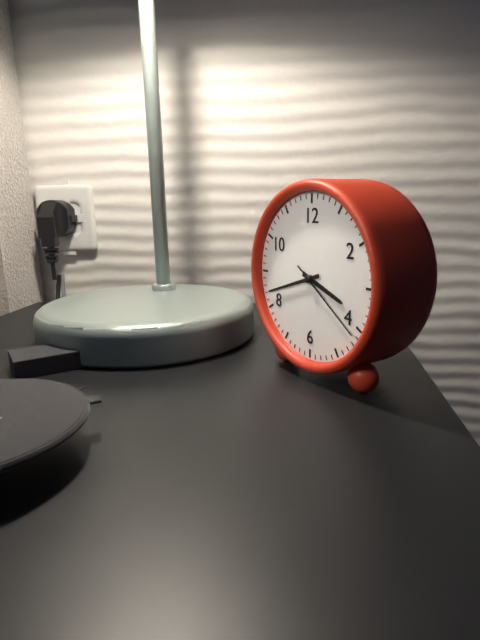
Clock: 3.42.21
